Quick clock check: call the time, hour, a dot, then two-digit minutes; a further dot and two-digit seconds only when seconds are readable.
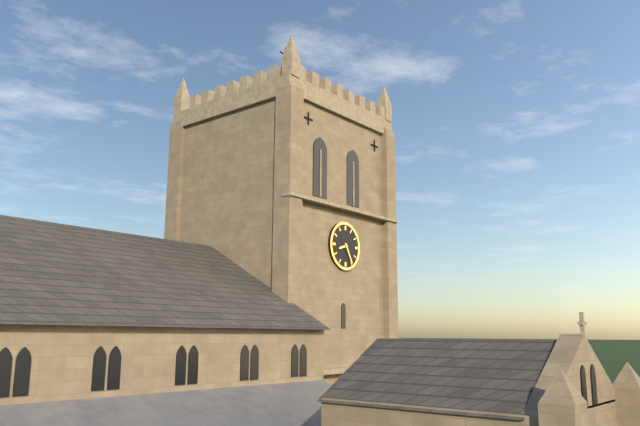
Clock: 8.25
